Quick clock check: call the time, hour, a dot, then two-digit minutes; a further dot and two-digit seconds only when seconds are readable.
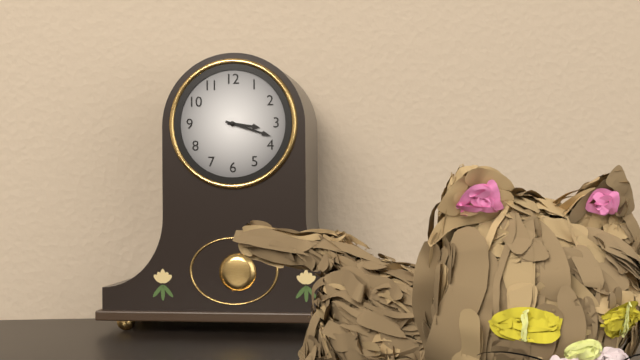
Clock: 3.18
